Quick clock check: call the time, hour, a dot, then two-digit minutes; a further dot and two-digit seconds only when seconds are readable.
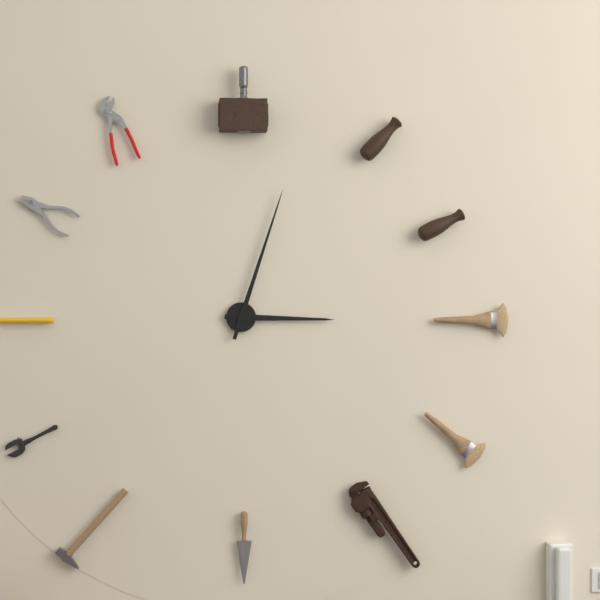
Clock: 3.03
